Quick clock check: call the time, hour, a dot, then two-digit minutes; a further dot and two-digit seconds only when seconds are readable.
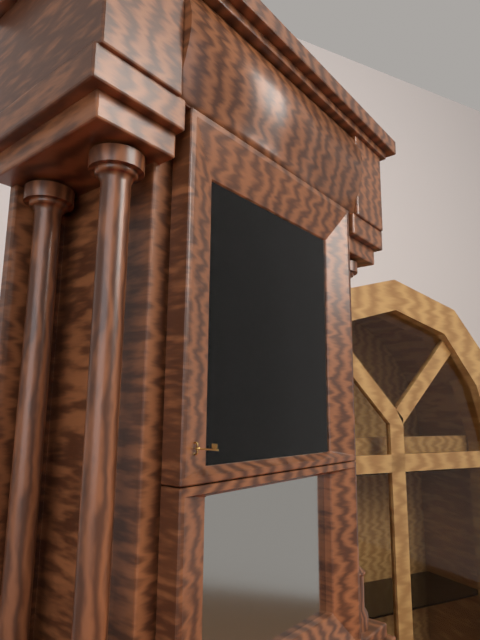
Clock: 11.19
